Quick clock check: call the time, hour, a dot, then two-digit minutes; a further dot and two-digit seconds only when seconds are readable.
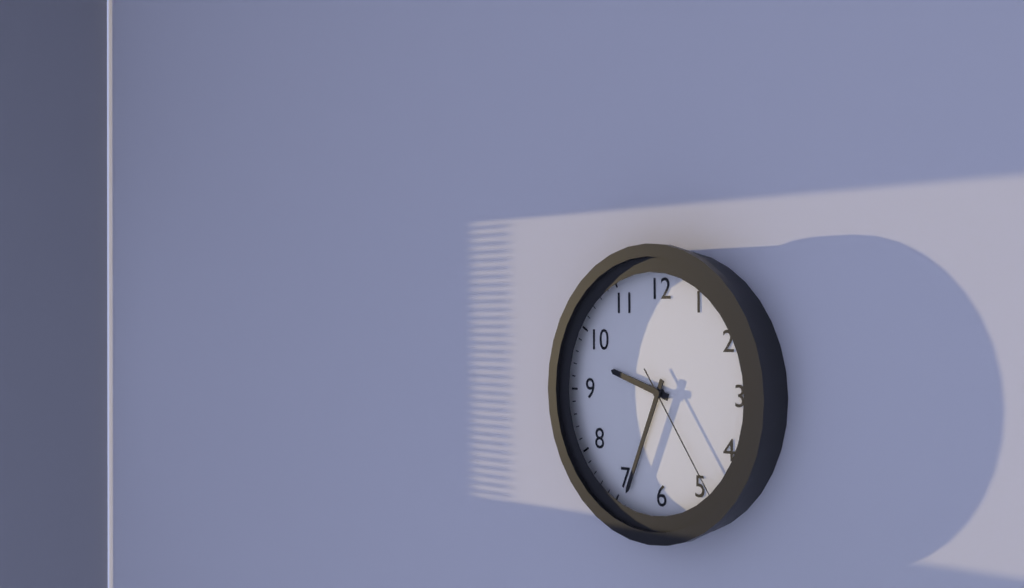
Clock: 9.34.24
